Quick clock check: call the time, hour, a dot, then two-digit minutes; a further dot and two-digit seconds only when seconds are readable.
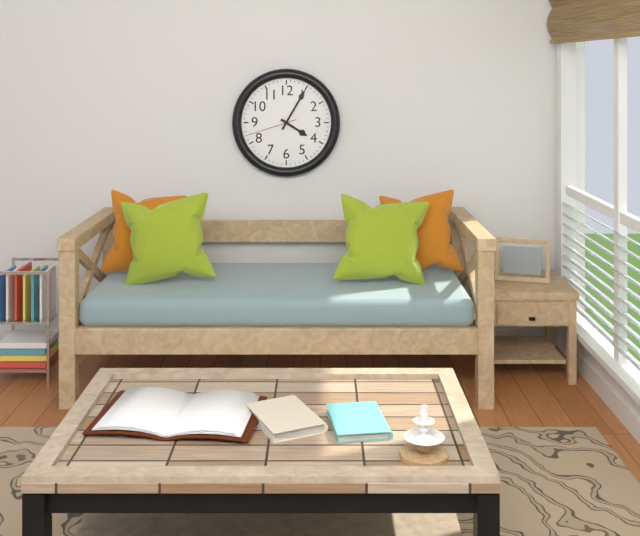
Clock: 4.05.42
